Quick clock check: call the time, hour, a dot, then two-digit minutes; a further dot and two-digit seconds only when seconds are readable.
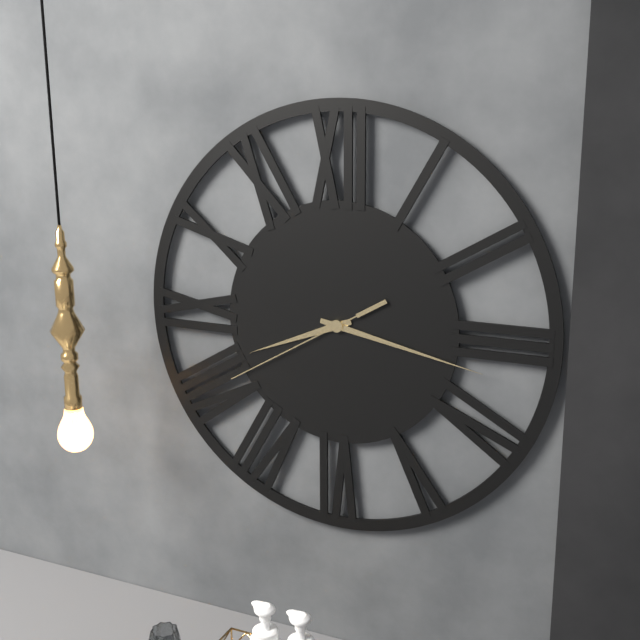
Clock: 8.17.40
